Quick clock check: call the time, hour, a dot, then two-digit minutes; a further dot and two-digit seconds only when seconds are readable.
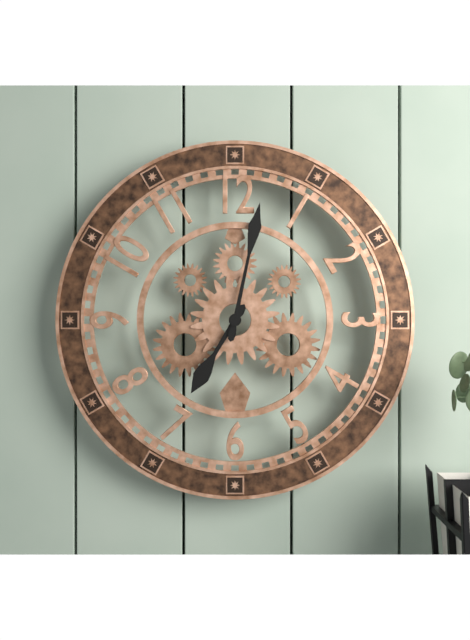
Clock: 7.02
